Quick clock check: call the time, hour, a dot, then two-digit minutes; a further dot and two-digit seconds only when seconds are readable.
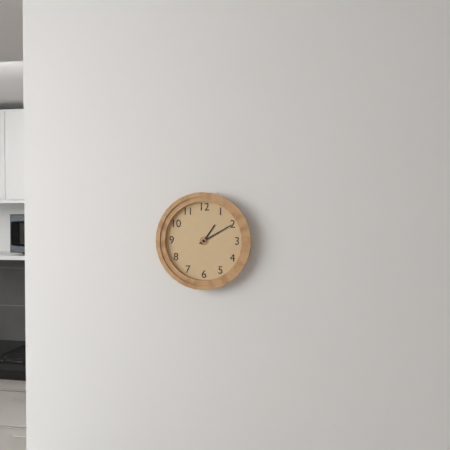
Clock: 1.10
